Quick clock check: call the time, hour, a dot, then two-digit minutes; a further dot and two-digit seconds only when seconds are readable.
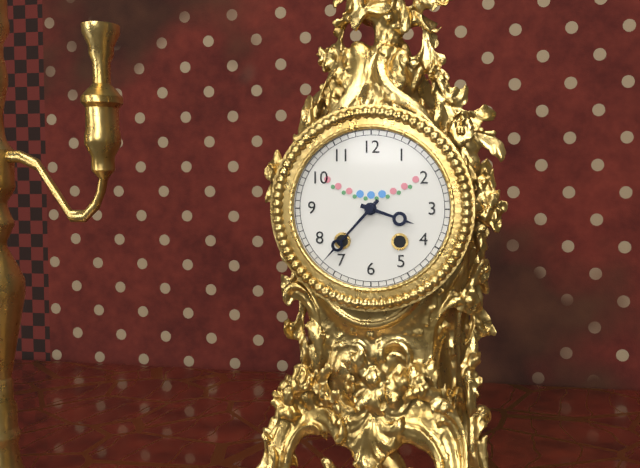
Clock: 3.37
